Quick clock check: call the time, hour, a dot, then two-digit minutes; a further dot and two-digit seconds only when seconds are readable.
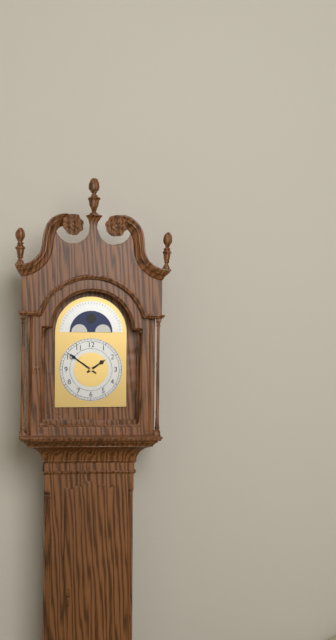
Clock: 1.51
